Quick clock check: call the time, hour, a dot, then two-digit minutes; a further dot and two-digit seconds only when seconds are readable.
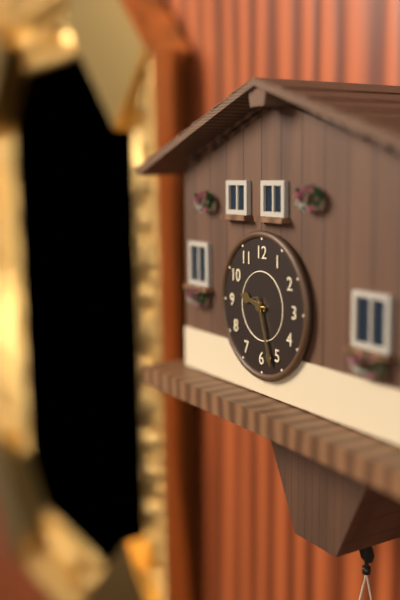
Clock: 9.27
